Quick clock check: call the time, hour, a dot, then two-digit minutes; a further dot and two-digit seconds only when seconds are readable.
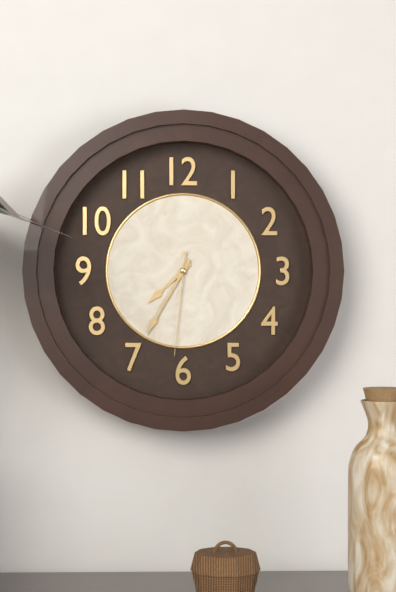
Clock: 7.35.31
